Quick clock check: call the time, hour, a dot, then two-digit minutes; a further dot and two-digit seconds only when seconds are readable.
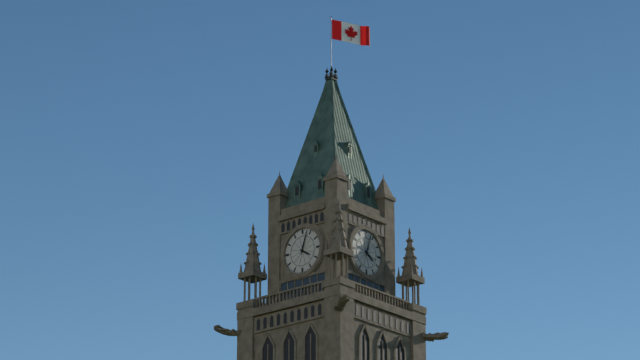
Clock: 4.03
